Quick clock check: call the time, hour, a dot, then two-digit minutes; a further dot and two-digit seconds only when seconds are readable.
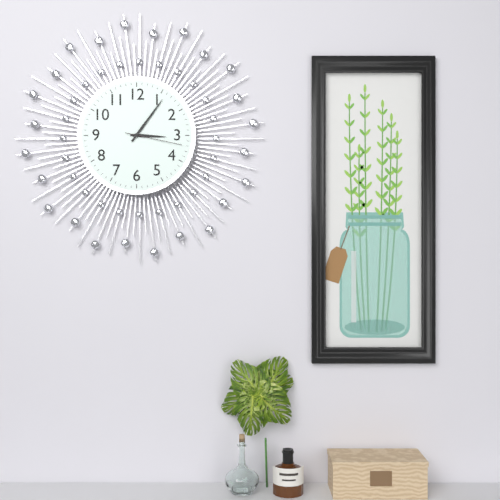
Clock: 3.06.17
